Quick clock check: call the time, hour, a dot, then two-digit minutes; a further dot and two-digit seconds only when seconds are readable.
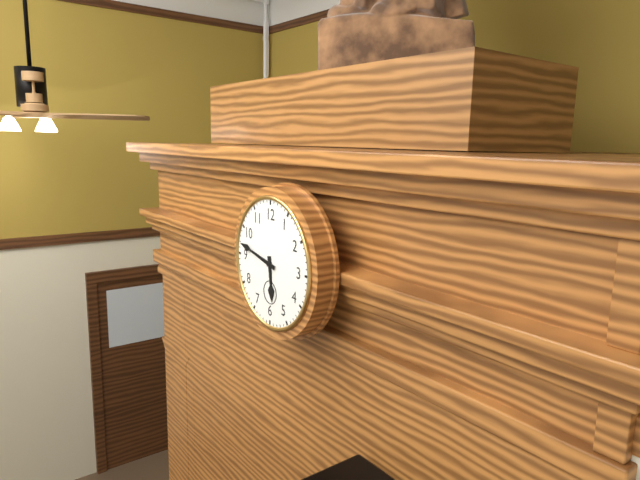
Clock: 5.47
